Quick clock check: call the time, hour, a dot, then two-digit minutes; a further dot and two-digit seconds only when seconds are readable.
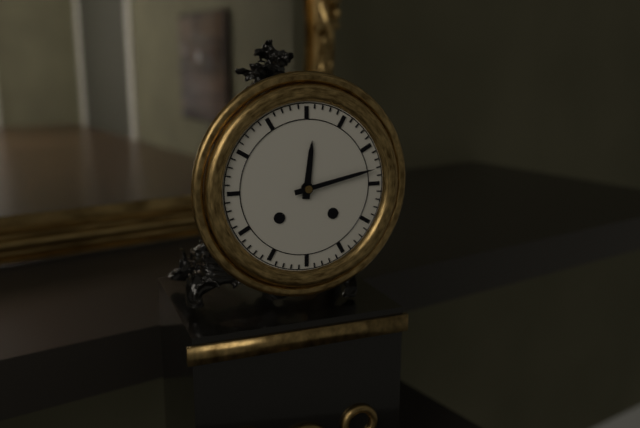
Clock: 12.13
